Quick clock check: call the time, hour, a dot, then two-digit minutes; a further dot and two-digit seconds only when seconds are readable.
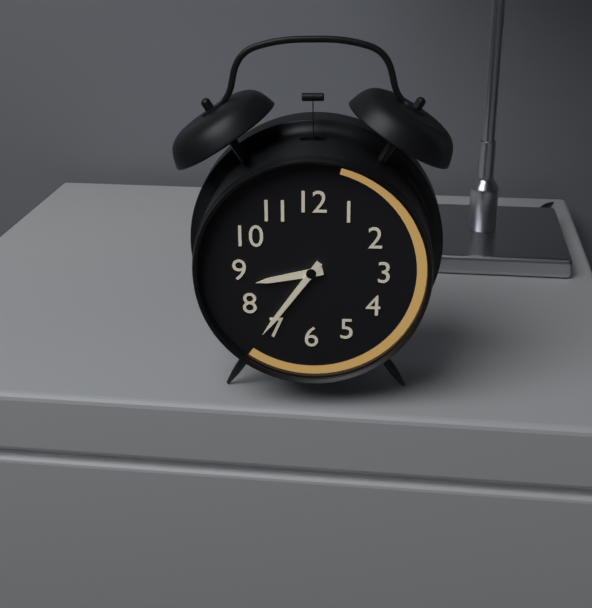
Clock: 8.36
